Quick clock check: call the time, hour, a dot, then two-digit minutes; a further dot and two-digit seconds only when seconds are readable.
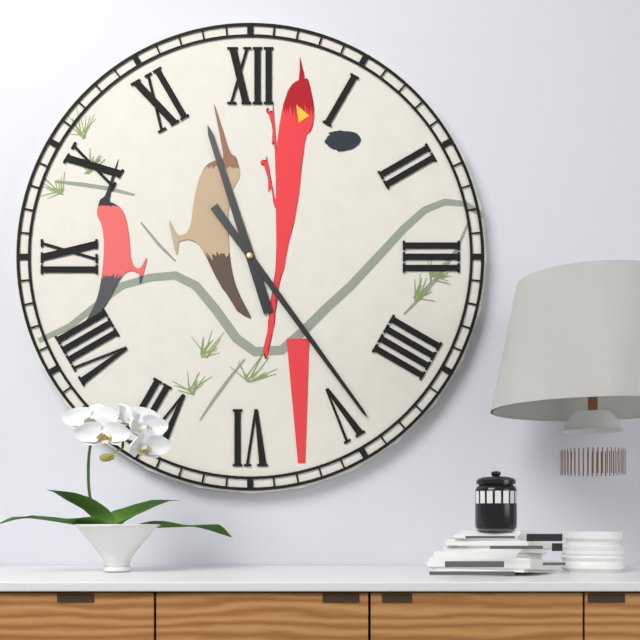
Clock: 11.24
